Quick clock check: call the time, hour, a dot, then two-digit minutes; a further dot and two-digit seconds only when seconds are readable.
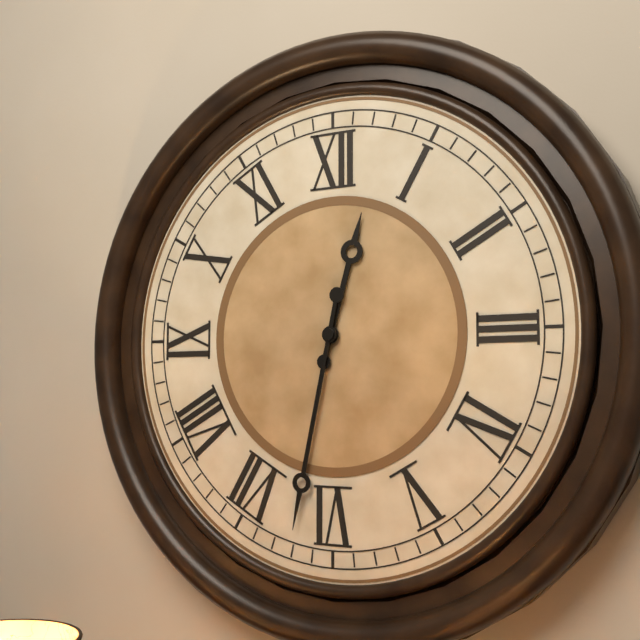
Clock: 12.32
